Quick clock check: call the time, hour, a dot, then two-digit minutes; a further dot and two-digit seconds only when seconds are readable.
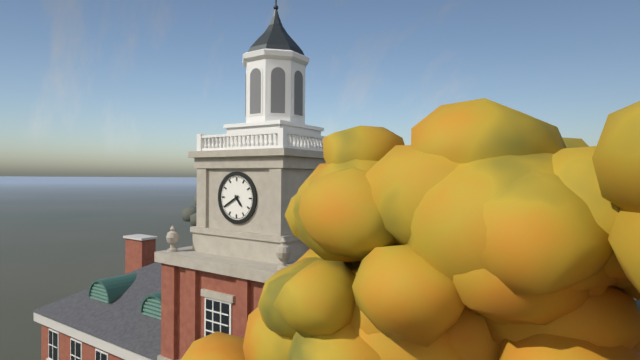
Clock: 4.40
